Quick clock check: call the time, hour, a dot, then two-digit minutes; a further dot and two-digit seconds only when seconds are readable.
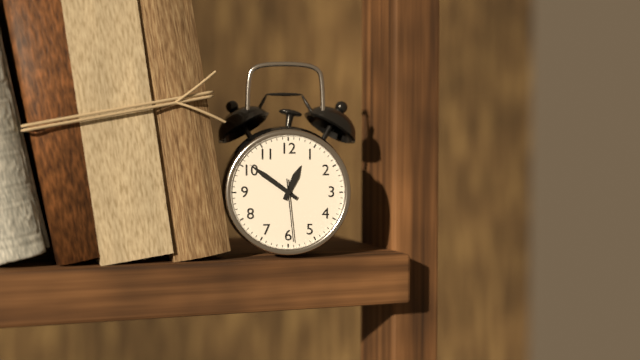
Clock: 12.51.29
